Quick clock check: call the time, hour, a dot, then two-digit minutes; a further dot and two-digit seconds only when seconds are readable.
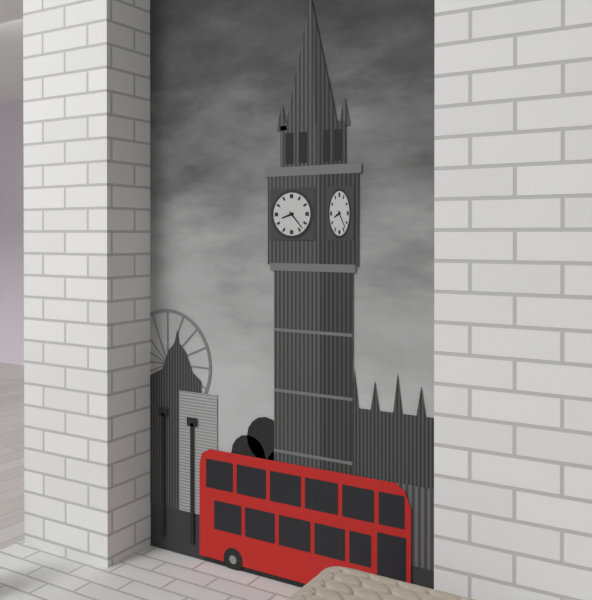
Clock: 8.23
